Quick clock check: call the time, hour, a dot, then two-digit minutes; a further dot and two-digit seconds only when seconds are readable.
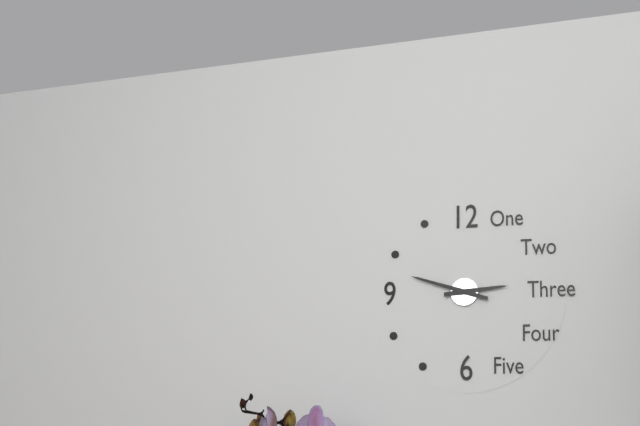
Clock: 2.48
